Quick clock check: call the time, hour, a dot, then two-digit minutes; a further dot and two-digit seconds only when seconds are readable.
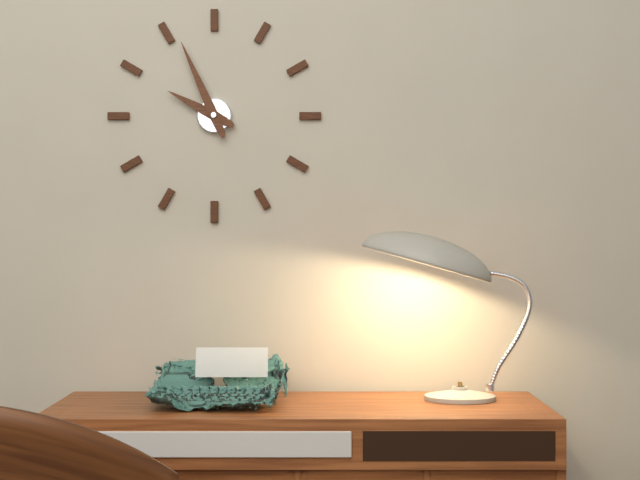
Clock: 9.56
